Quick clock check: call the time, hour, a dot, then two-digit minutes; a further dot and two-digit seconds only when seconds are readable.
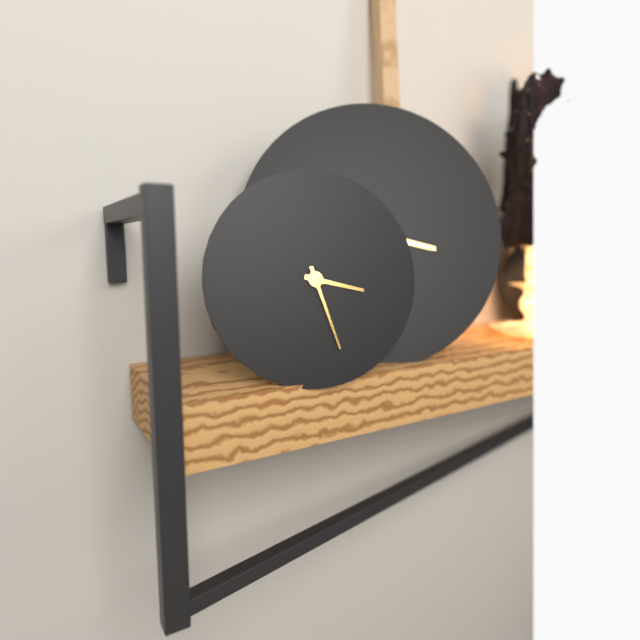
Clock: 3.27
